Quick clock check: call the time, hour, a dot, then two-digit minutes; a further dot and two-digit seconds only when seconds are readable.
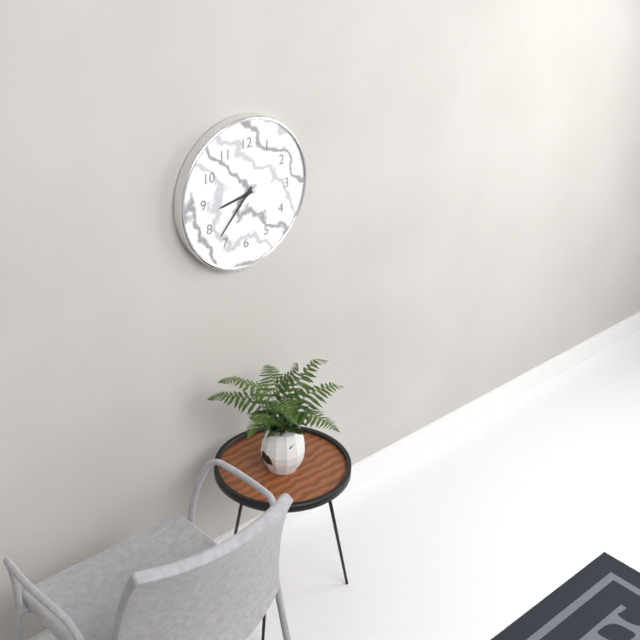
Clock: 8.37
